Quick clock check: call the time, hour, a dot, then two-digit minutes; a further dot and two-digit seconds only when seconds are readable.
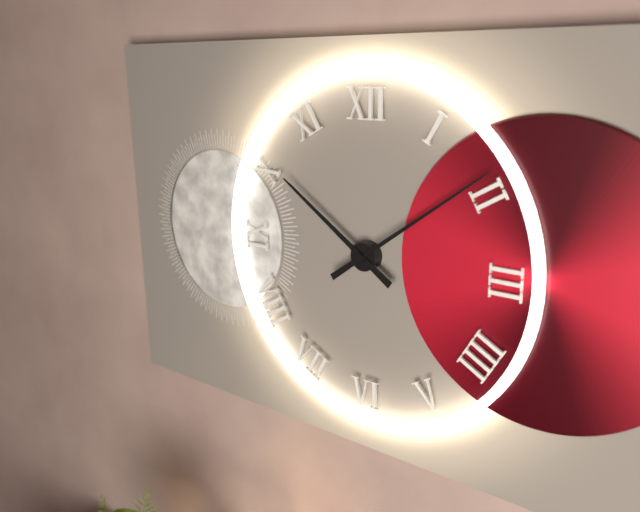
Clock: 10.09
